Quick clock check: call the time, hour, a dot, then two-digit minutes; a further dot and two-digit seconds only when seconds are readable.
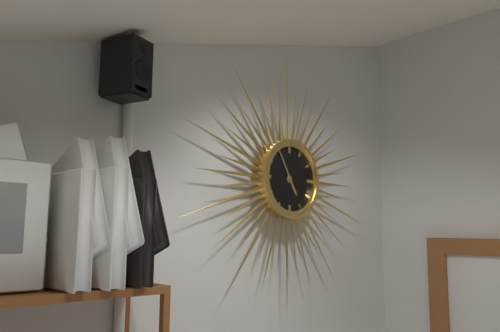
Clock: 4.55
